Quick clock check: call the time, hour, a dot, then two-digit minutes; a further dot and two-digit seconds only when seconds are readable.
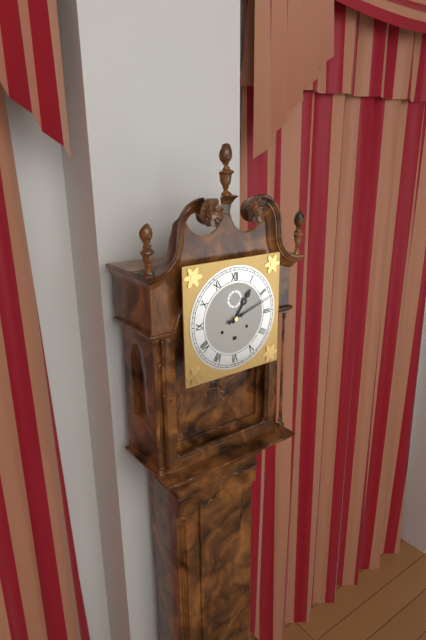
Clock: 1.12
